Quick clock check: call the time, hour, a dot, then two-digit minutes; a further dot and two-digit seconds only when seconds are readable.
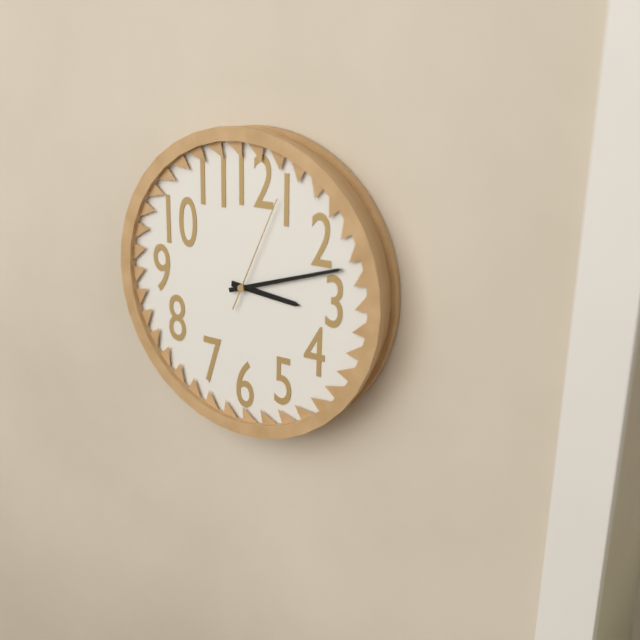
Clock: 3.12.04
